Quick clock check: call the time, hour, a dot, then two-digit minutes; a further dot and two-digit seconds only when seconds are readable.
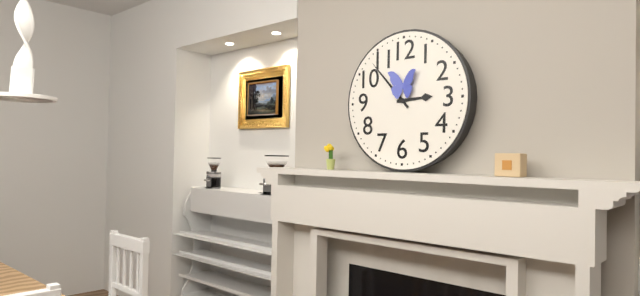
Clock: 2.53
